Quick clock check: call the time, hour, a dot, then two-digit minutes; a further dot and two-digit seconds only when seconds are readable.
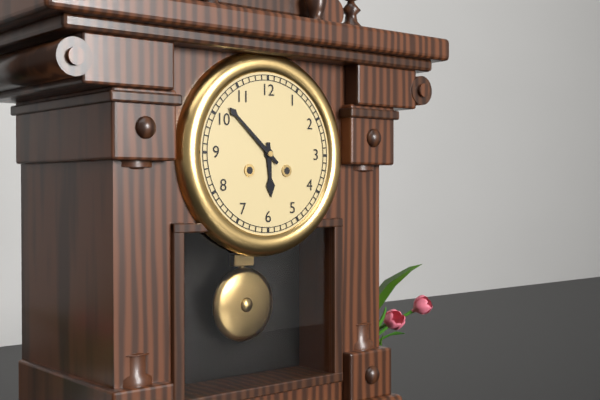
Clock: 5.52
